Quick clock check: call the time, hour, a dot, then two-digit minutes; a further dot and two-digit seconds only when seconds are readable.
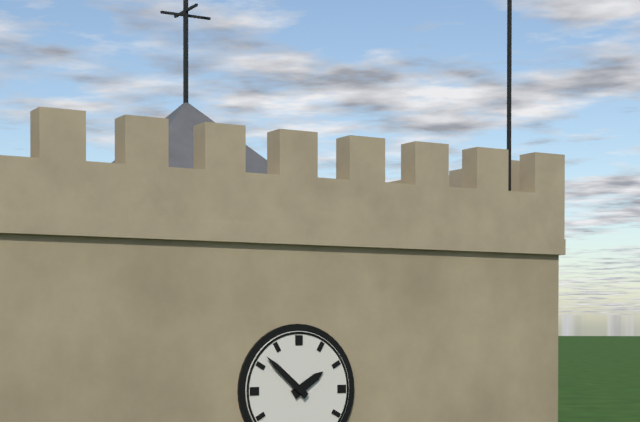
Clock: 1.52
